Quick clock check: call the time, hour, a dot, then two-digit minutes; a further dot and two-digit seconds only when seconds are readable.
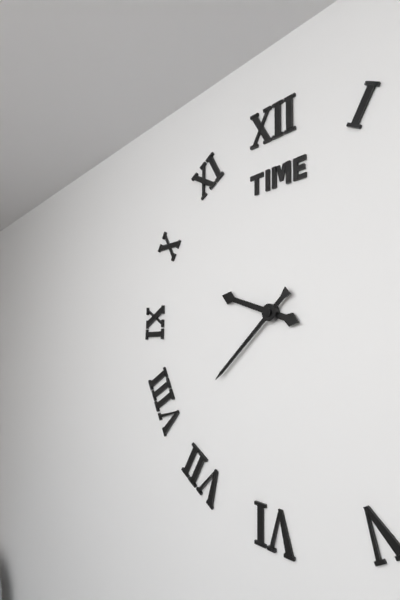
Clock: 9.38
